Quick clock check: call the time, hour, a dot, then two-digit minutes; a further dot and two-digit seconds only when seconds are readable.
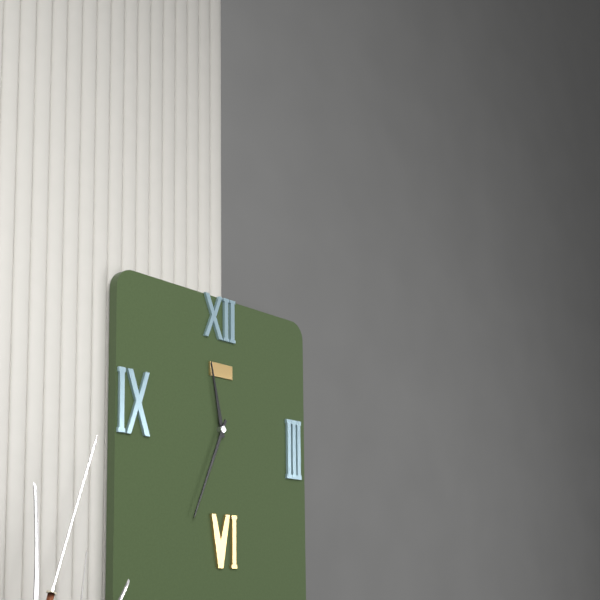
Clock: 11.34
